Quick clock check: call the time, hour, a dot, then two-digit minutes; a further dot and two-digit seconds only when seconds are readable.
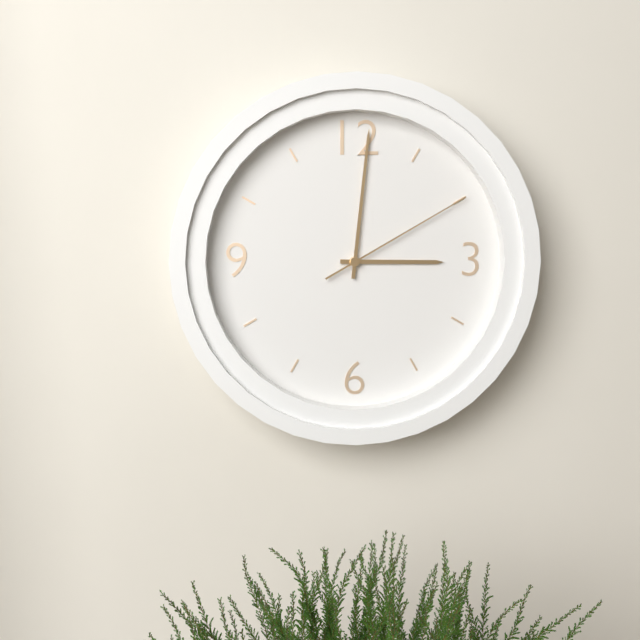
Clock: 3.01.10
